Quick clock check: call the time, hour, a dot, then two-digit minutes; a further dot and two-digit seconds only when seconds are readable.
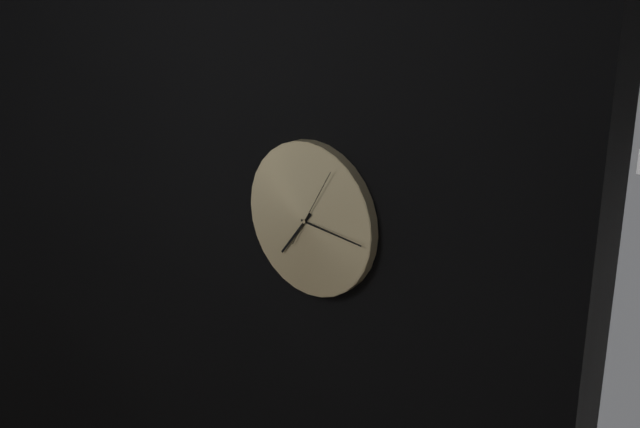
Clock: 7.16.05
